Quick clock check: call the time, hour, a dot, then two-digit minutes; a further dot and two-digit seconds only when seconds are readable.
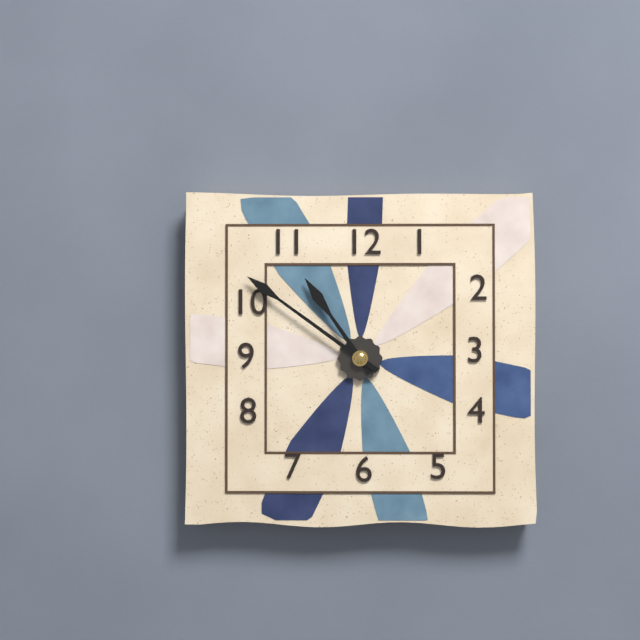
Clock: 10.51
